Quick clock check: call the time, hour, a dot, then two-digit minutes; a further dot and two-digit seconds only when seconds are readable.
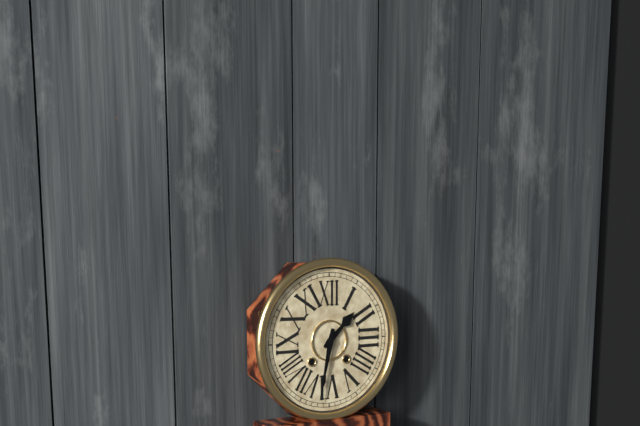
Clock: 1.32
